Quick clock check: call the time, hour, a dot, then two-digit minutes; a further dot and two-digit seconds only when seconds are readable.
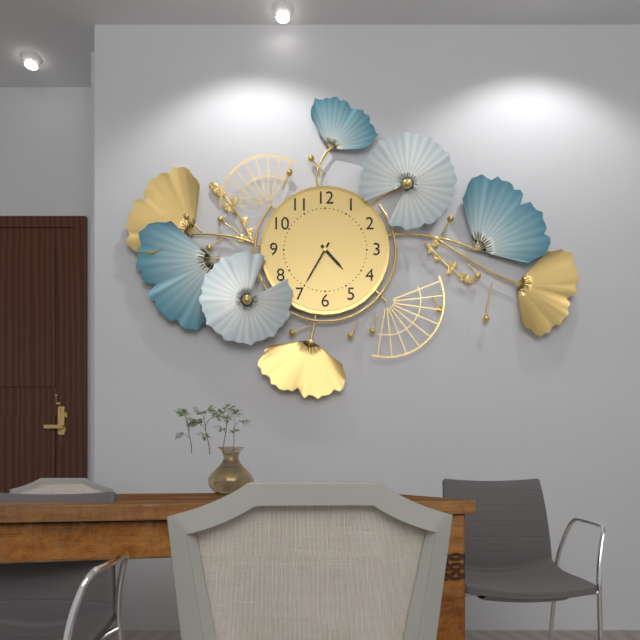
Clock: 4.35
